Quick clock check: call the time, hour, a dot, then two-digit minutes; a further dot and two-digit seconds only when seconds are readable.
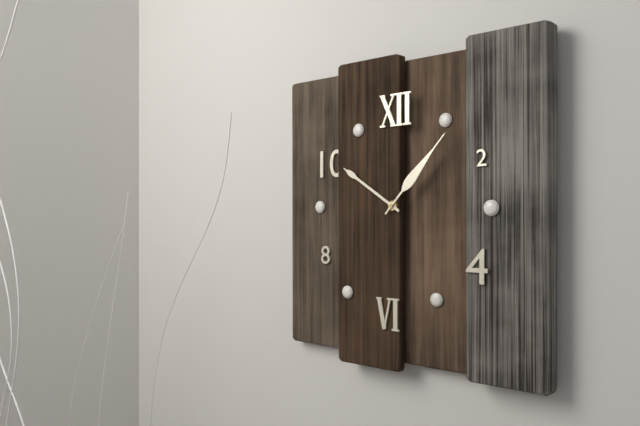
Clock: 10.07
